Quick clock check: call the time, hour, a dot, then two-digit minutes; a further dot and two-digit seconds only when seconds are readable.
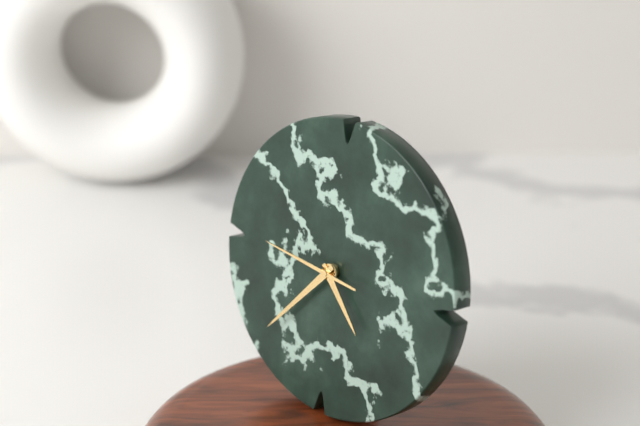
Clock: 4.37.46
